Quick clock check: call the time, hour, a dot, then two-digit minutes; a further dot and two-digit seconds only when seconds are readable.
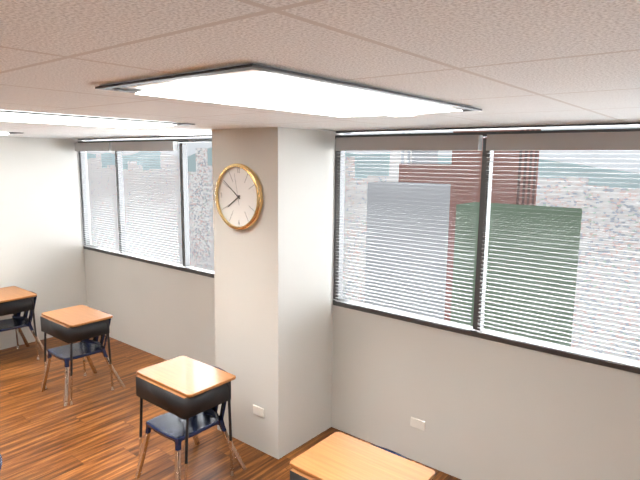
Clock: 7.51
